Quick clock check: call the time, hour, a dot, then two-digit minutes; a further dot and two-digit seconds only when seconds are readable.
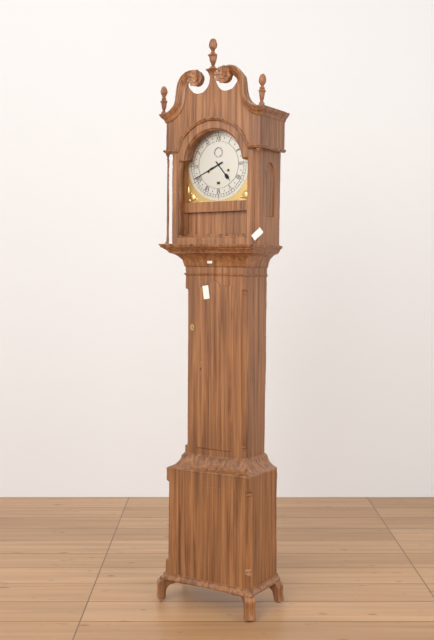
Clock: 4.41
